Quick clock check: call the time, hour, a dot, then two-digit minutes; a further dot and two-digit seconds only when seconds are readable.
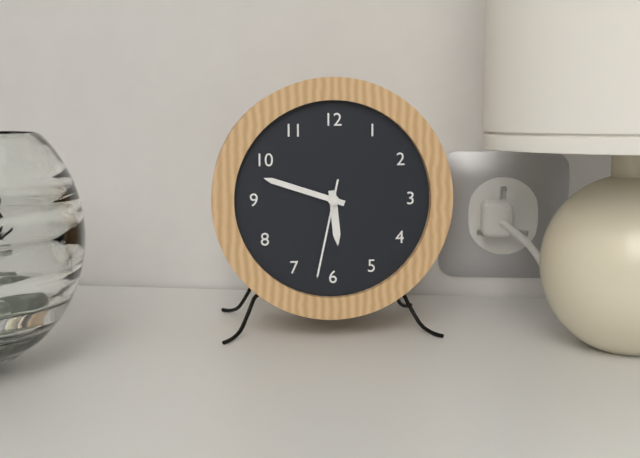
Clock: 5.48.32
